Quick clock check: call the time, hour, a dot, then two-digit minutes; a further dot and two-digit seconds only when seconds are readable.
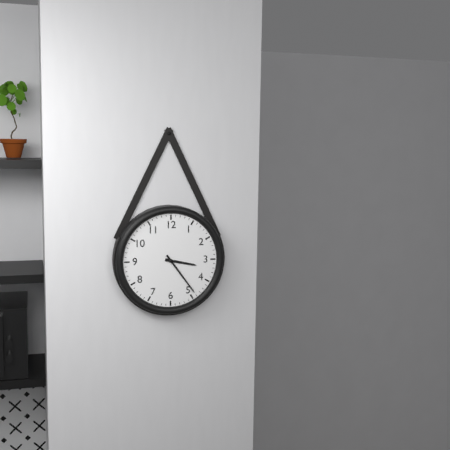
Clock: 3.24
